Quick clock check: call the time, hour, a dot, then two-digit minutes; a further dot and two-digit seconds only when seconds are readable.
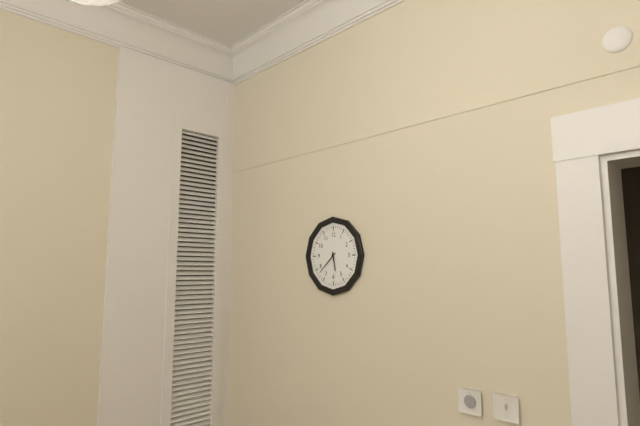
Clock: 5.38
